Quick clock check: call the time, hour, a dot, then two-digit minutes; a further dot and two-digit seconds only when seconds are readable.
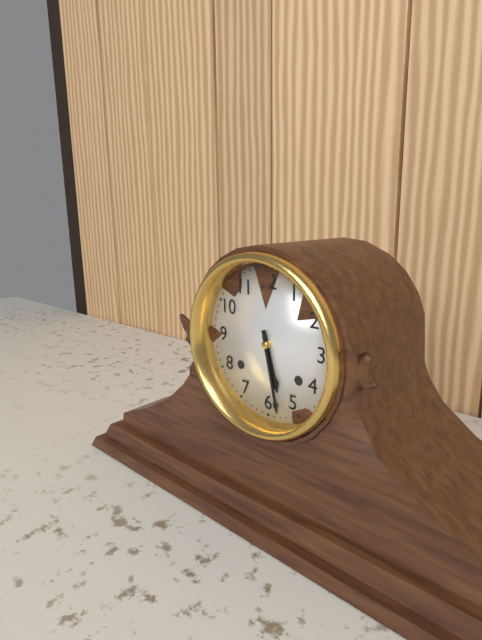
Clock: 5.28
